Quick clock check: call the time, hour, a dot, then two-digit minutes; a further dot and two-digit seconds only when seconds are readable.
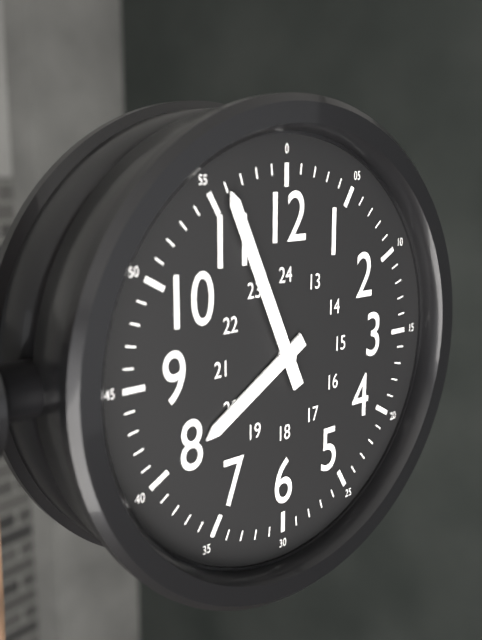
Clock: 7.56
